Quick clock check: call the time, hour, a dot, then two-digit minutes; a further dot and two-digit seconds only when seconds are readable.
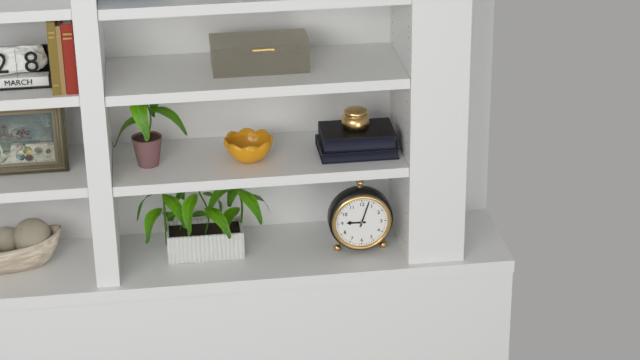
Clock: 9.03
